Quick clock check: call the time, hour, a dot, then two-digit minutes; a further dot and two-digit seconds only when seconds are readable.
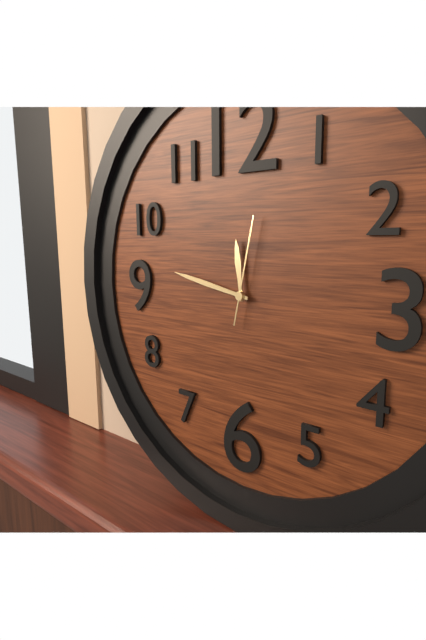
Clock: 11.47.02
